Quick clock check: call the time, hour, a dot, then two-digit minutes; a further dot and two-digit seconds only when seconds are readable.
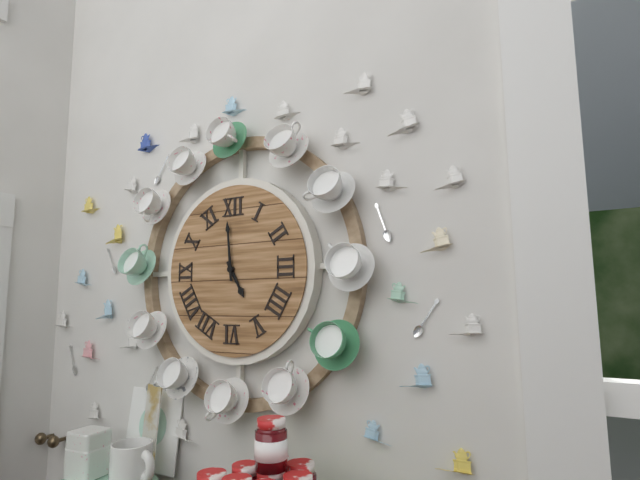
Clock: 4.59
